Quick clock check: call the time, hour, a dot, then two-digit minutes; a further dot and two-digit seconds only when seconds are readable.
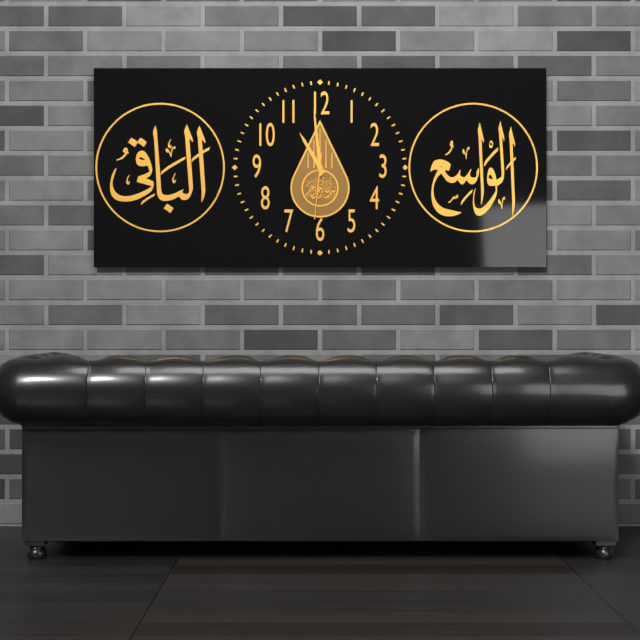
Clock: 10.59.31
